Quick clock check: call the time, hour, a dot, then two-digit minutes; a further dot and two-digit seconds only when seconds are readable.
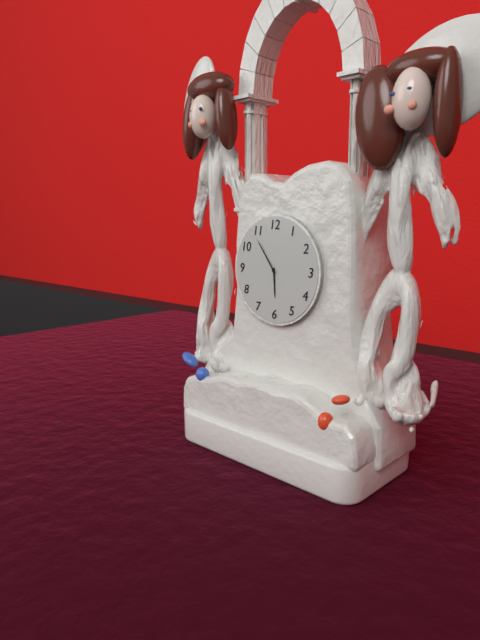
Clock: 5.54
